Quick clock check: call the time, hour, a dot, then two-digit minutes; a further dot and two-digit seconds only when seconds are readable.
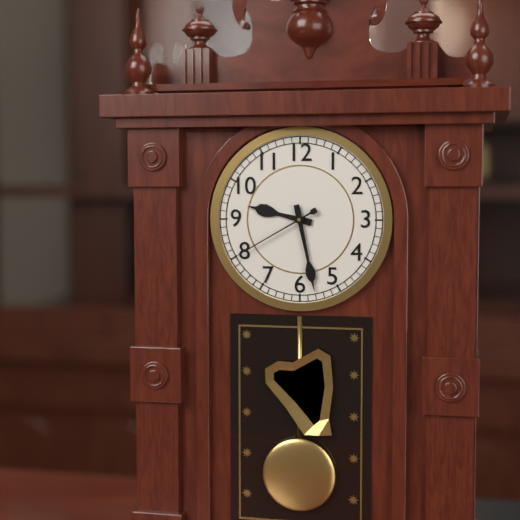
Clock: 9.28.40
